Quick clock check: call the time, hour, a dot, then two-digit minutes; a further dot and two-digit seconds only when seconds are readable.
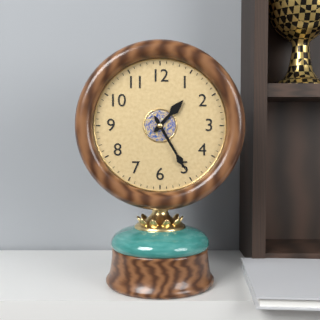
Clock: 1.25
